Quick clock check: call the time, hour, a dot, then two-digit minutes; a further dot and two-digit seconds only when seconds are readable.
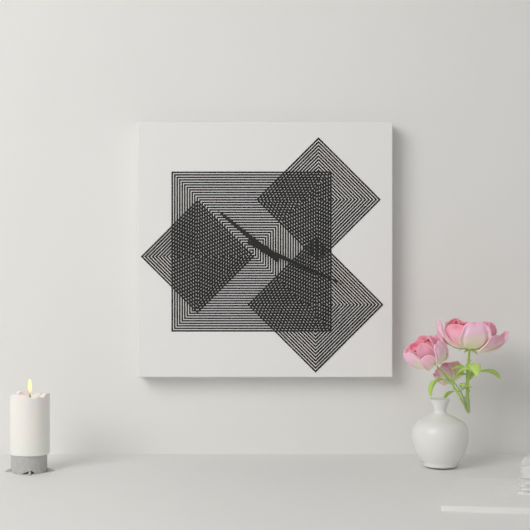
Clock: 10.19
